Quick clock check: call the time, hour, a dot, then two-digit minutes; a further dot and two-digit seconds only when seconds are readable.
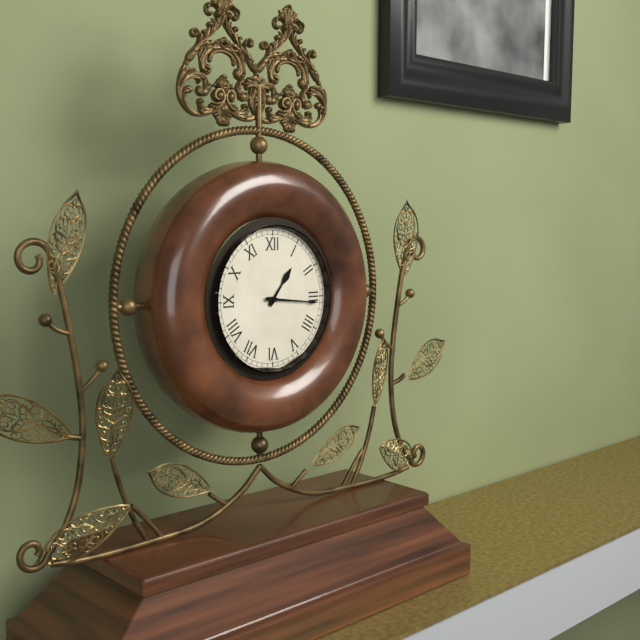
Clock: 1.16
